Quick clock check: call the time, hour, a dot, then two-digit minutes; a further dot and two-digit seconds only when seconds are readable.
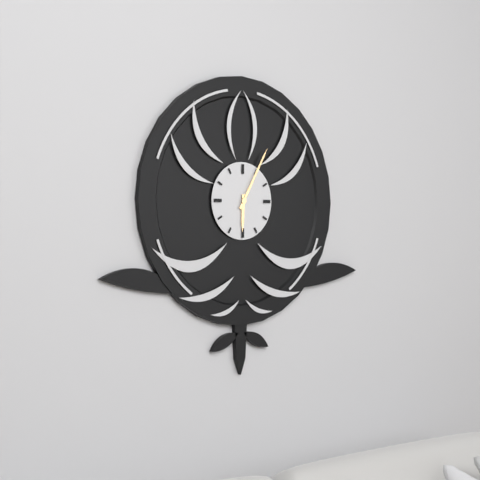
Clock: 6.05
